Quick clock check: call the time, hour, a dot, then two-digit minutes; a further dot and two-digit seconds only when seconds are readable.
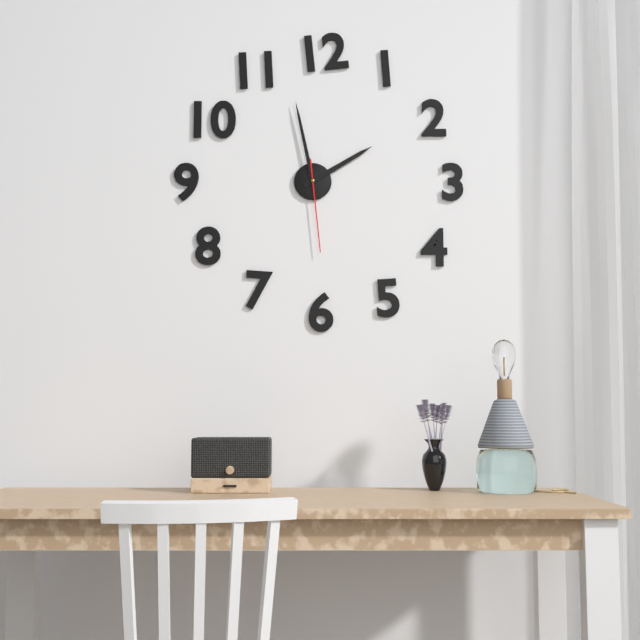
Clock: 1.58.29
